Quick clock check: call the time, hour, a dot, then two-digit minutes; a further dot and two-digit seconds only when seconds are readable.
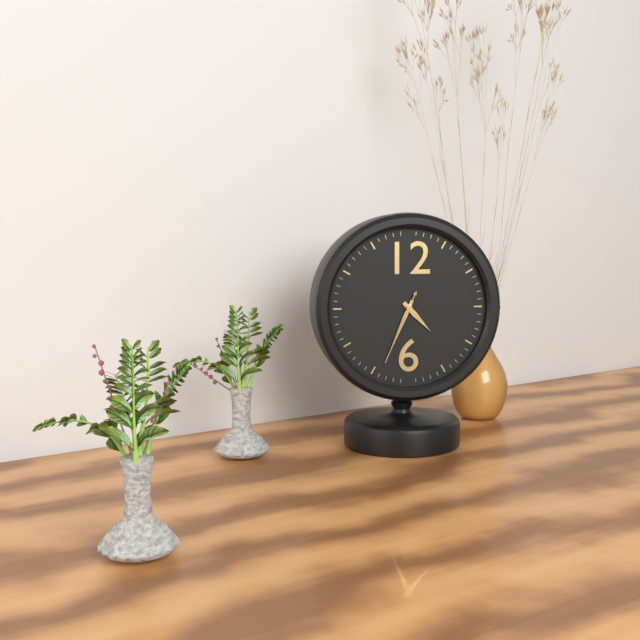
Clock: 4.34.34
